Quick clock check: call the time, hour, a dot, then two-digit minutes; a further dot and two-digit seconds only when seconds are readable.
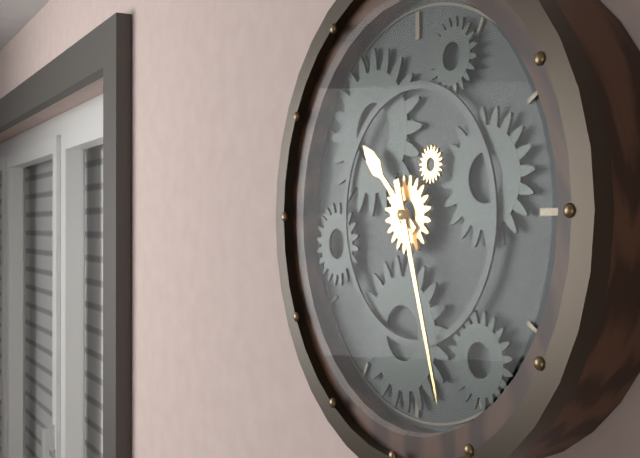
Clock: 10.27
